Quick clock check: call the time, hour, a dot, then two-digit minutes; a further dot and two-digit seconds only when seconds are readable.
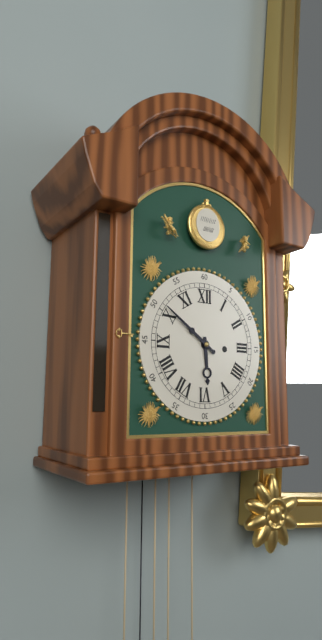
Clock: 5.51
